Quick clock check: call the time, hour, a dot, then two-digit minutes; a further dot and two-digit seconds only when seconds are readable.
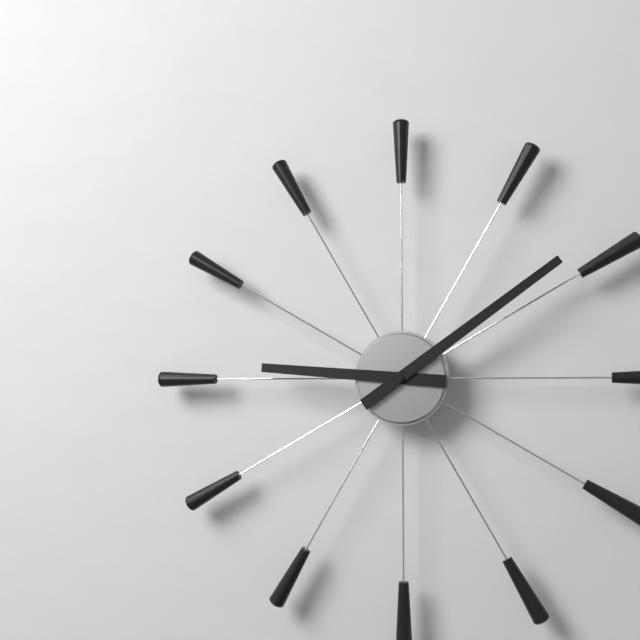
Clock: 9.09
